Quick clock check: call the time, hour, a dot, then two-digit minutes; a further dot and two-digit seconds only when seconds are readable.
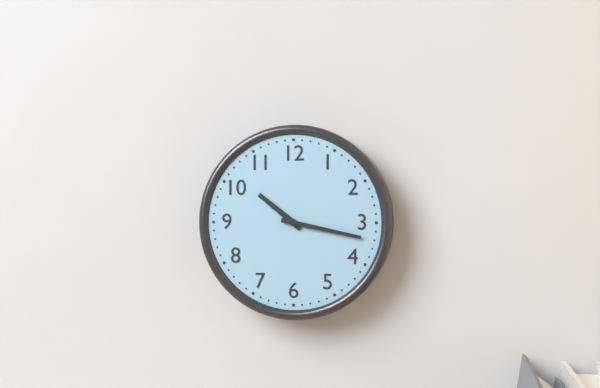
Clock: 10.17
